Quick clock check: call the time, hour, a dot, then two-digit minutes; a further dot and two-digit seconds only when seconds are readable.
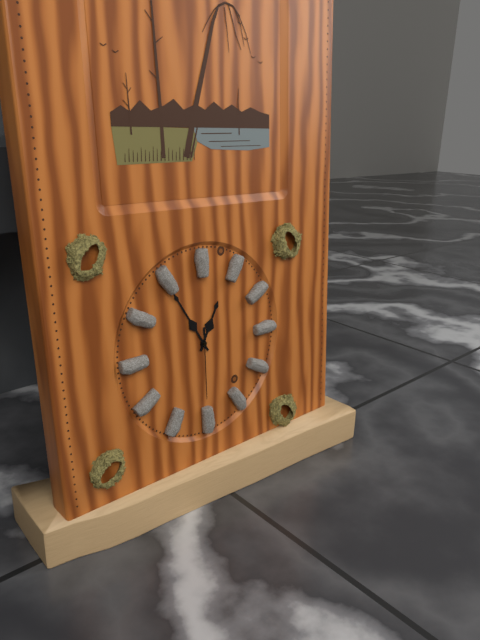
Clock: 12.55.30
